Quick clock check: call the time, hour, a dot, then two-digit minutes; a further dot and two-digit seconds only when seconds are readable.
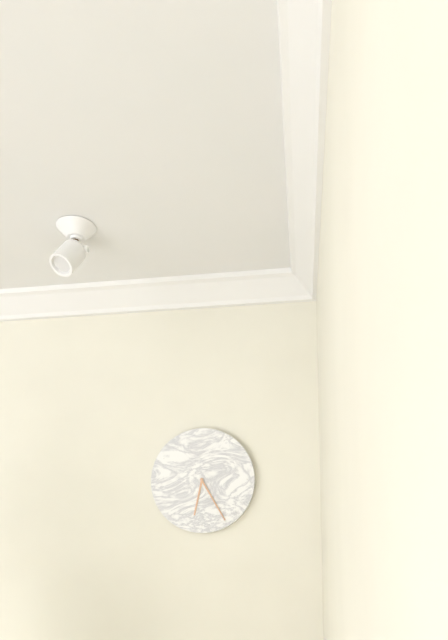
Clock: 6.25
